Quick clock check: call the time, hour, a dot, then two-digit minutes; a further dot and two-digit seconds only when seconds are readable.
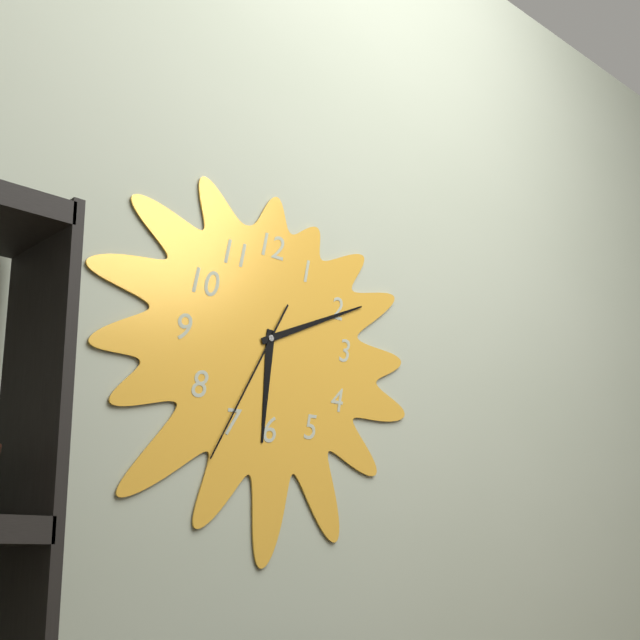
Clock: 6.11.35
